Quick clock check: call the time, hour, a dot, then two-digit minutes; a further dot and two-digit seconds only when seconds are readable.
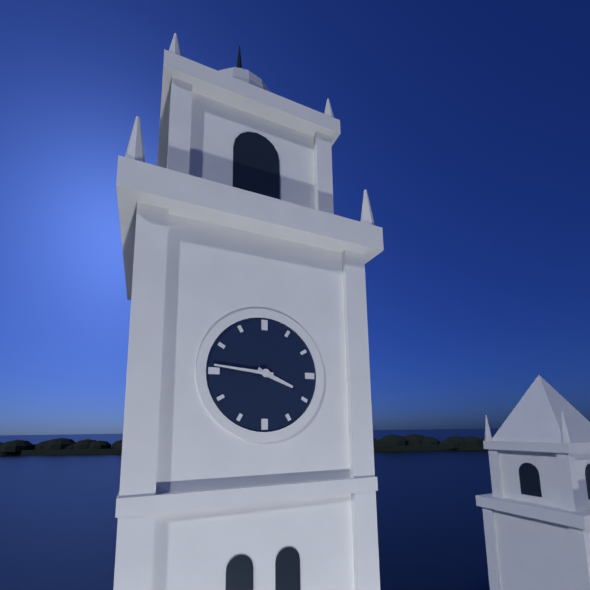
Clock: 3.46
